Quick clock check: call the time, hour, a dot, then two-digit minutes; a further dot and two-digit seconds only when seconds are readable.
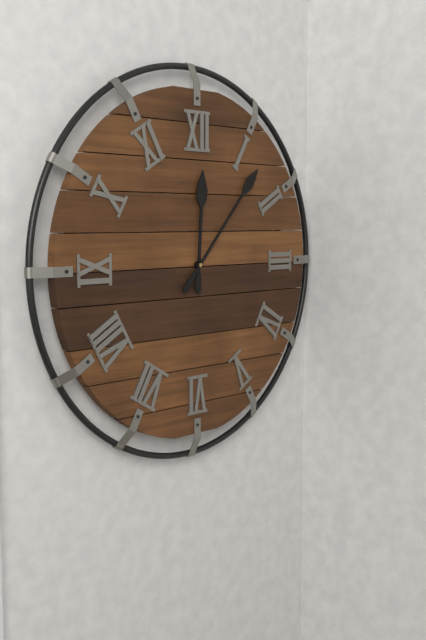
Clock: 12.07
